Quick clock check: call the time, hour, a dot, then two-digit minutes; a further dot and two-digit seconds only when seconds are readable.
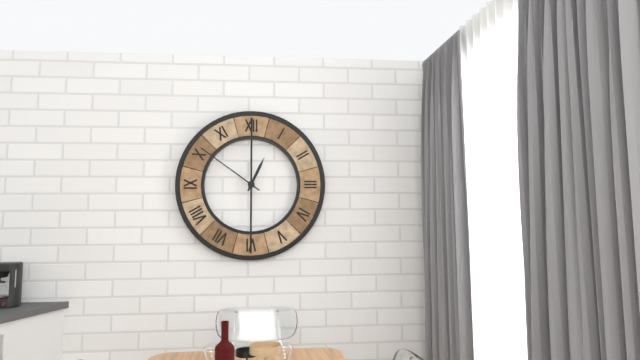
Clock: 12.51
